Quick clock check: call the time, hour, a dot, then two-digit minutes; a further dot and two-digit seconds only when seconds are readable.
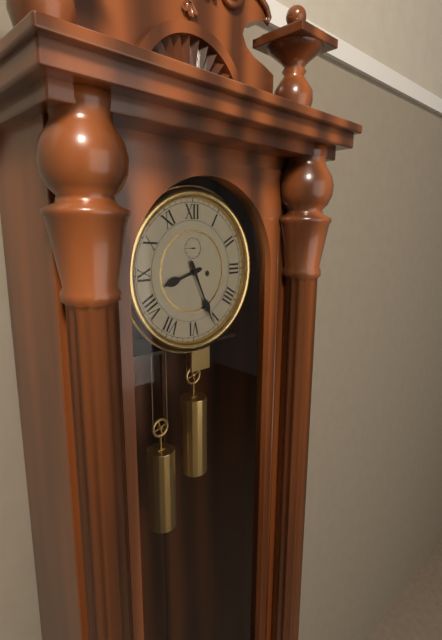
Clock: 8.26
